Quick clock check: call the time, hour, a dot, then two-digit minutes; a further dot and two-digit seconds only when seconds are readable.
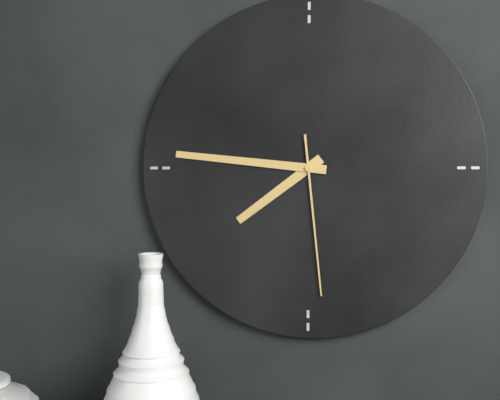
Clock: 7.46.29
